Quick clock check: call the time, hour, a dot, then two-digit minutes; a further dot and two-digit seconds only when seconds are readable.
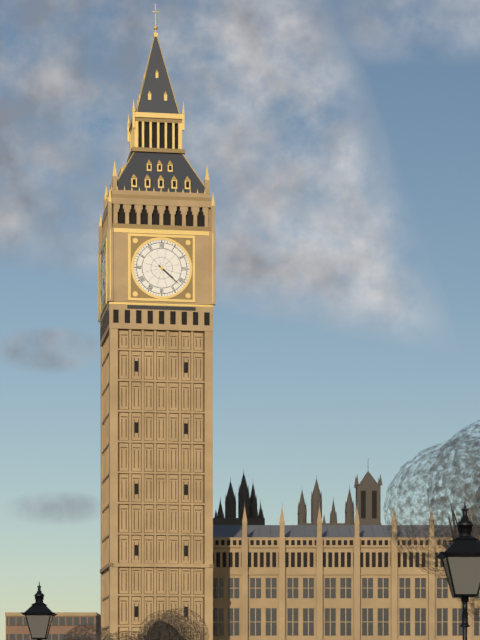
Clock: 4.22
